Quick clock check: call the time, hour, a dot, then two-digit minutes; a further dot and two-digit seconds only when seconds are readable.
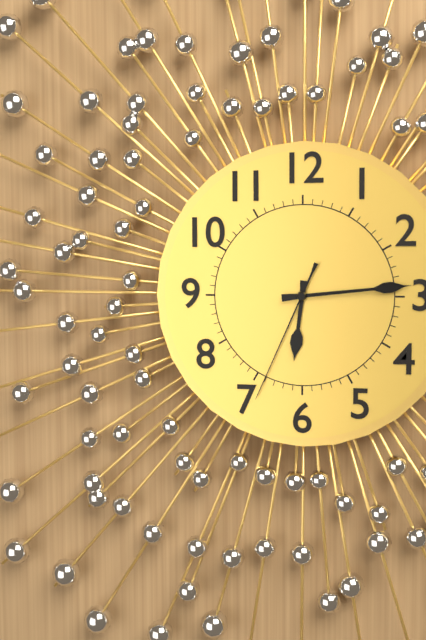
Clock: 6.14.34
